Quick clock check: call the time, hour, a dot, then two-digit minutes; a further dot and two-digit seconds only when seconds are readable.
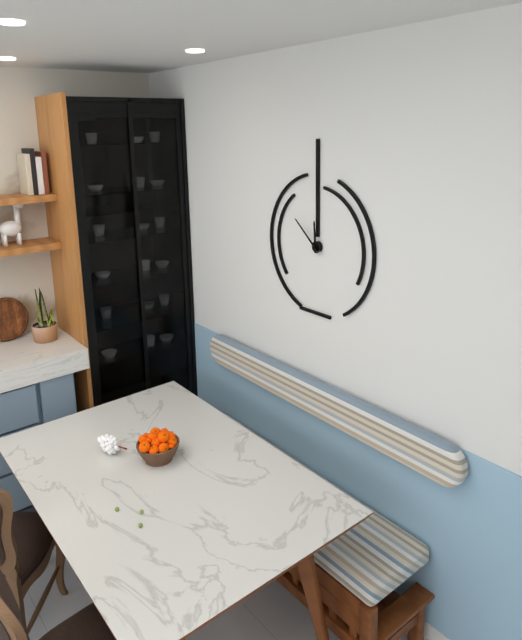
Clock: 11.52
